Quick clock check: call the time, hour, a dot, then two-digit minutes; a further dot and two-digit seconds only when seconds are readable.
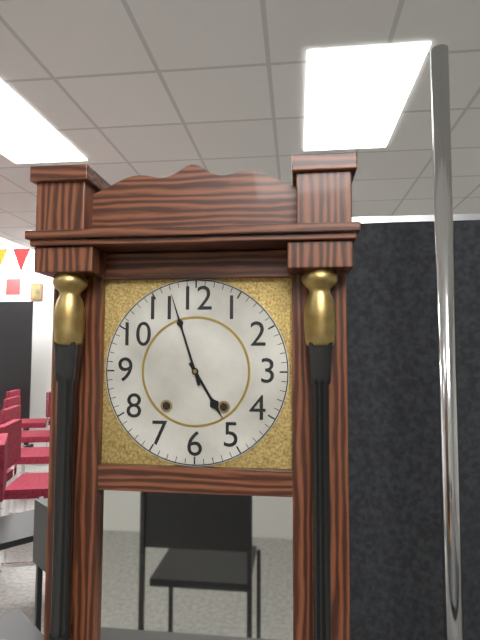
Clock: 4.57
